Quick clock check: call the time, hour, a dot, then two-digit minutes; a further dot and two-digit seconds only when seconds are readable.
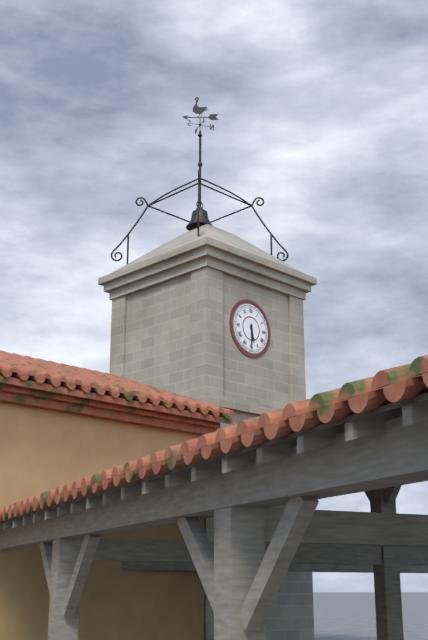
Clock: 5.30
